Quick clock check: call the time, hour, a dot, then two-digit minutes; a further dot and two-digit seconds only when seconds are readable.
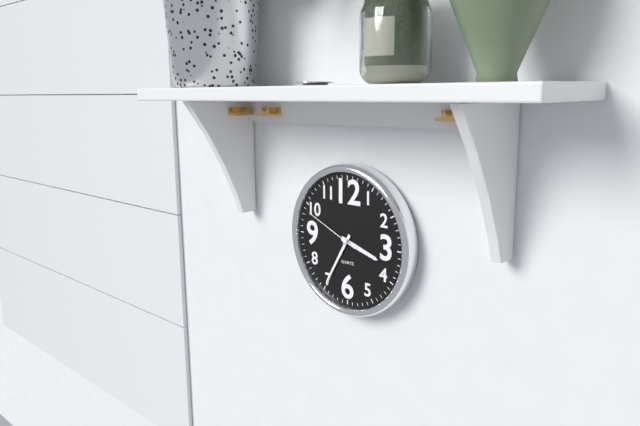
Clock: 3.35.49
